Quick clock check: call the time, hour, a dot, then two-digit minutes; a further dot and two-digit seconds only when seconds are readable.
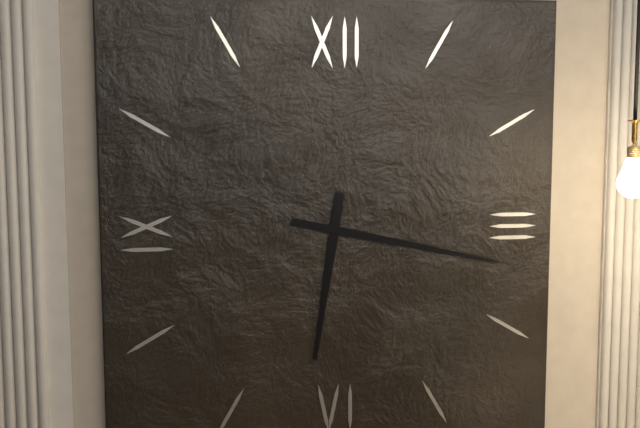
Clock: 6.17
